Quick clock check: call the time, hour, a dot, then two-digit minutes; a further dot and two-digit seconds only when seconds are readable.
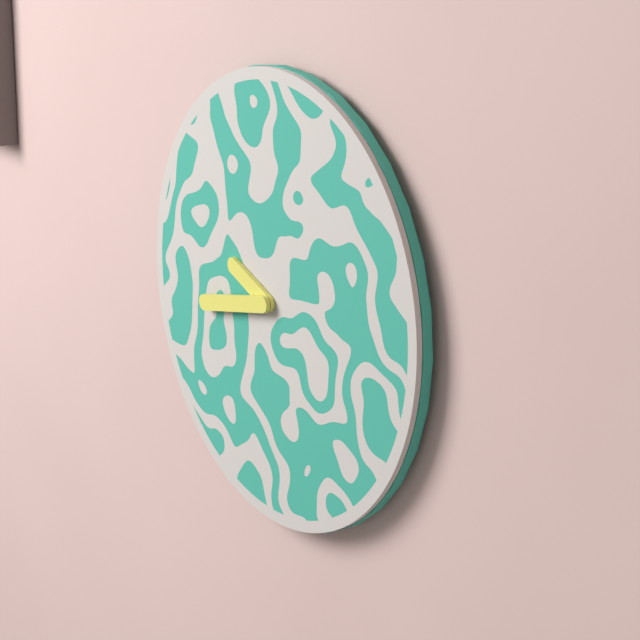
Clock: 9.43
